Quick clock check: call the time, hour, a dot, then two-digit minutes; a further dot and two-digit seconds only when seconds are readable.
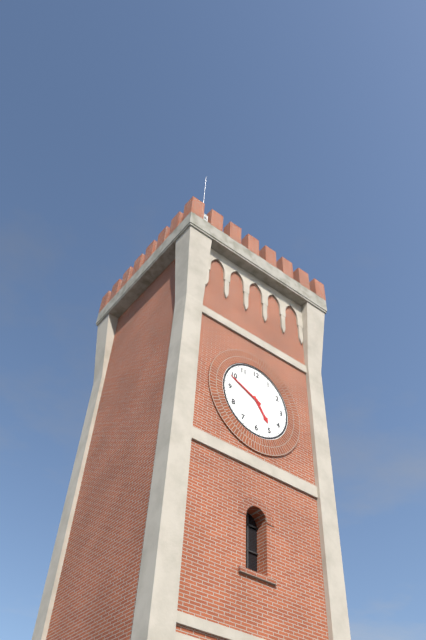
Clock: 4.49
